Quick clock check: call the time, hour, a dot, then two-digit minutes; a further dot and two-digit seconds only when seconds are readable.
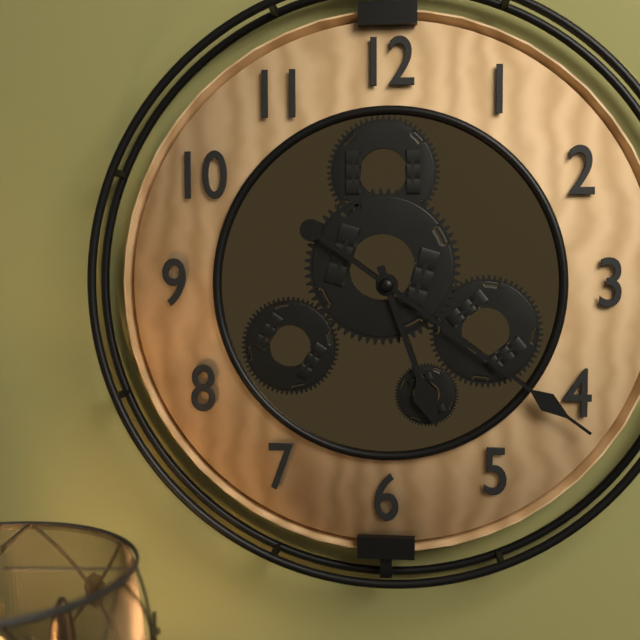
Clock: 5.21
